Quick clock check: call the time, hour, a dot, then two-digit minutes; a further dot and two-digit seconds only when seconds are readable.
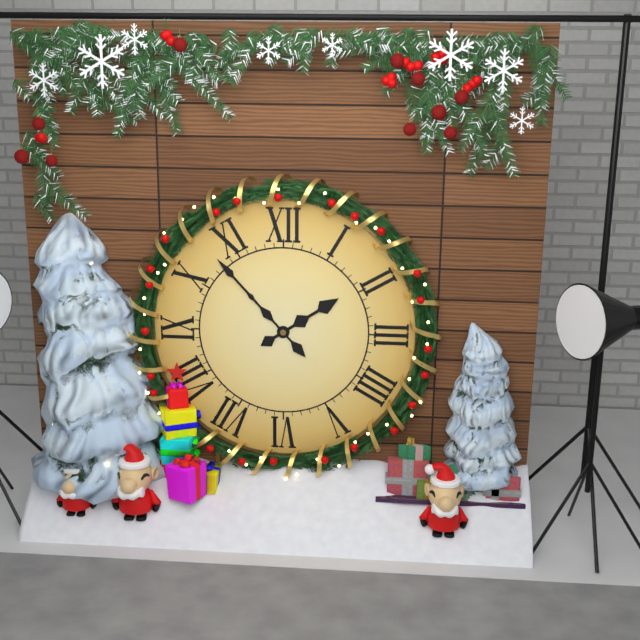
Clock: 1.53
